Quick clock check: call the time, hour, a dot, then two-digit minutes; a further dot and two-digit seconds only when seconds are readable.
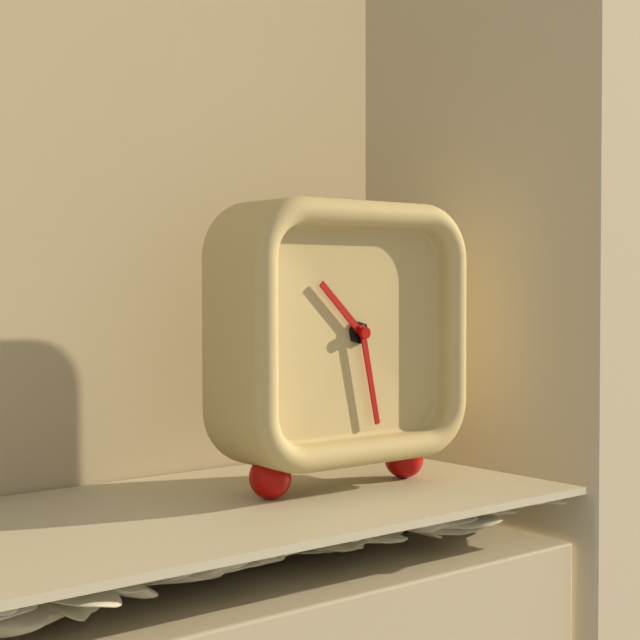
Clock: 10.28
